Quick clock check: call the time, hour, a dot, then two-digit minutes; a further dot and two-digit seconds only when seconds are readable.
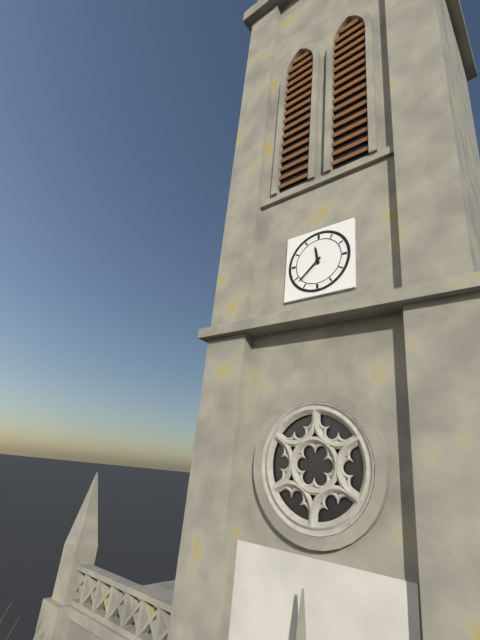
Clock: 11.38
